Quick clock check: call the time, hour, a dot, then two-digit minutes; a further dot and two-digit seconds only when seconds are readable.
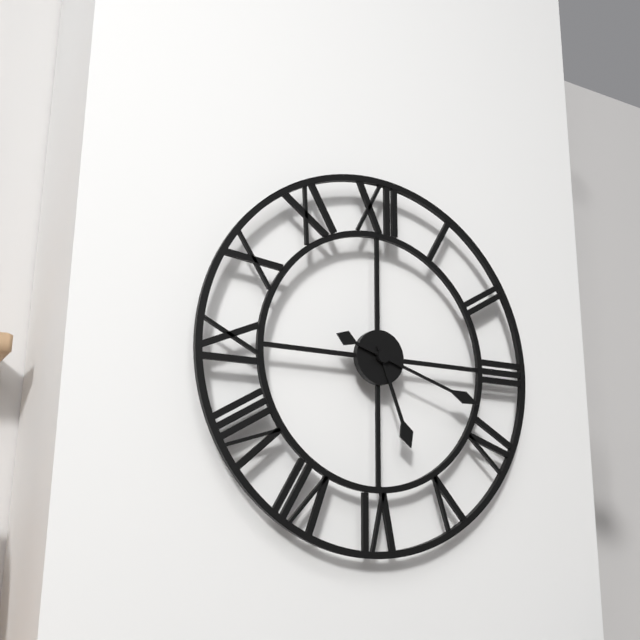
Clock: 5.18
